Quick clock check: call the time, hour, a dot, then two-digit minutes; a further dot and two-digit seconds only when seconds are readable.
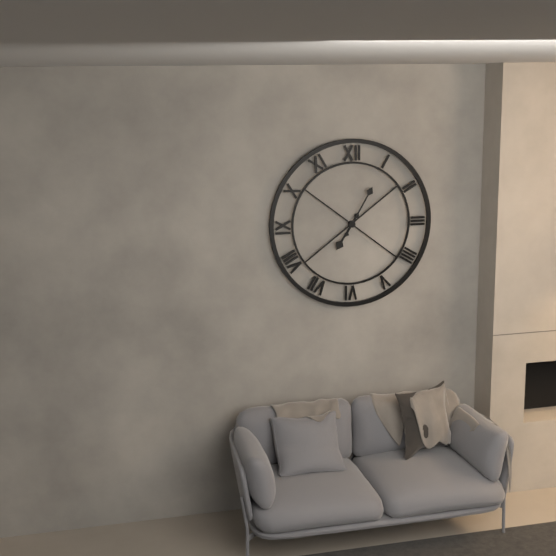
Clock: 7.05
